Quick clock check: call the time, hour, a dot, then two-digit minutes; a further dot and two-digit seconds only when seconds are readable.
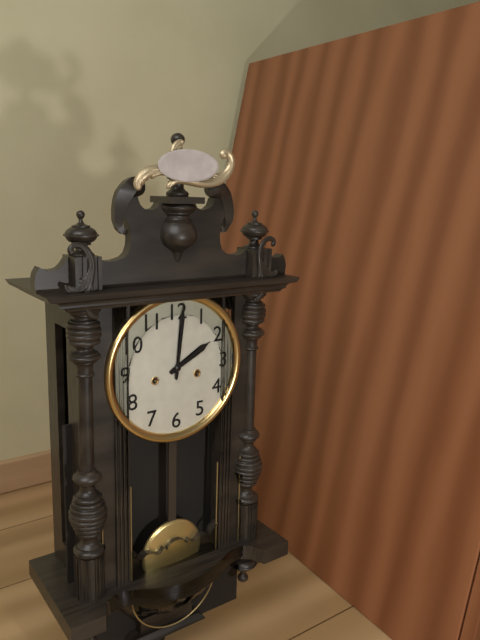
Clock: 2.01
